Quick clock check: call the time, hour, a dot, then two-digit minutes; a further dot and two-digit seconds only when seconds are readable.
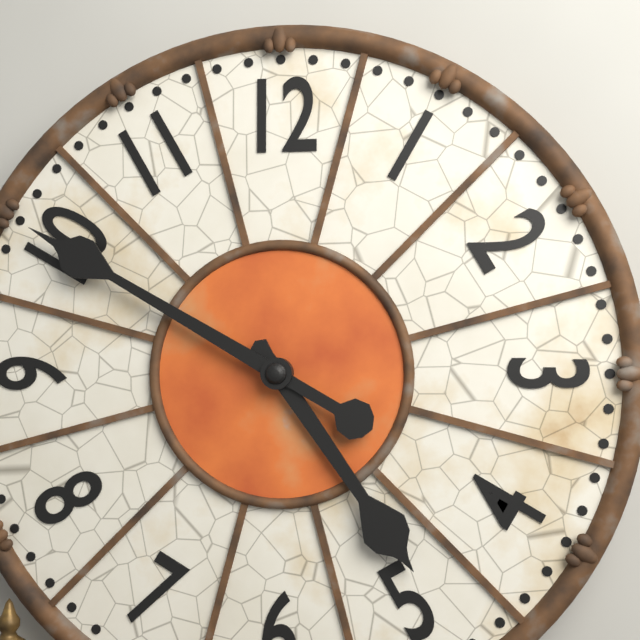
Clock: 4.50
